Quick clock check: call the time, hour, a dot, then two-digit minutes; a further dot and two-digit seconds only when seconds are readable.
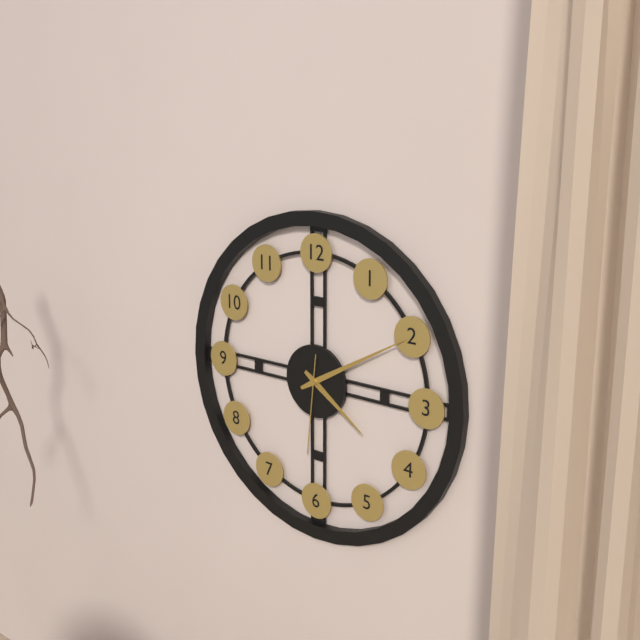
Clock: 4.10.31
